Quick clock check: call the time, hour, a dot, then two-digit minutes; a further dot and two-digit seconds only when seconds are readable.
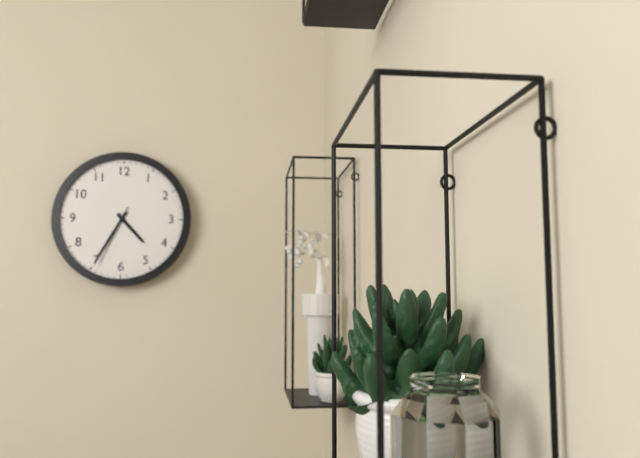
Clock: 4.35.34
